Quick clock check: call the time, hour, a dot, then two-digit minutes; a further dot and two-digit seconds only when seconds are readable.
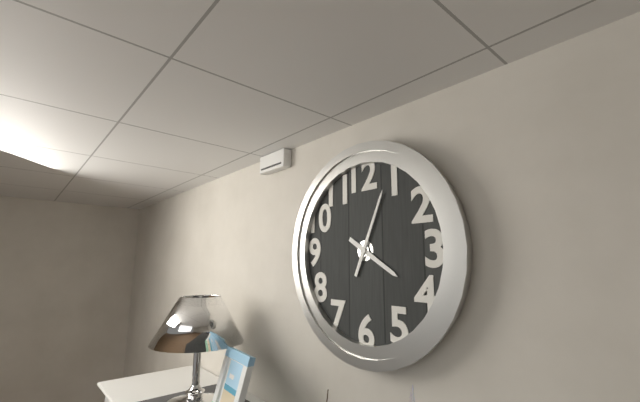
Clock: 4.04
